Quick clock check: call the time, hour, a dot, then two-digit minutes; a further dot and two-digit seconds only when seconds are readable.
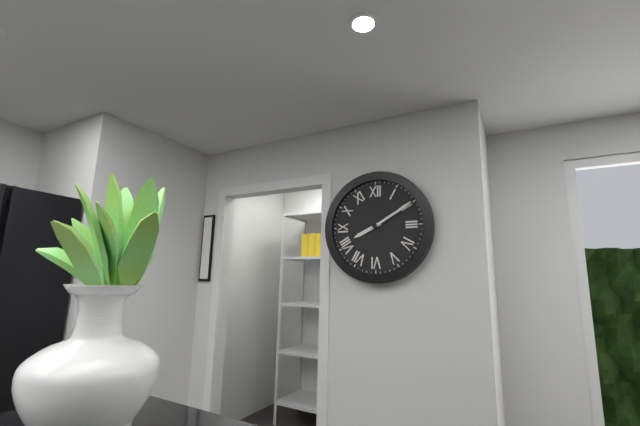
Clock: 8.10
